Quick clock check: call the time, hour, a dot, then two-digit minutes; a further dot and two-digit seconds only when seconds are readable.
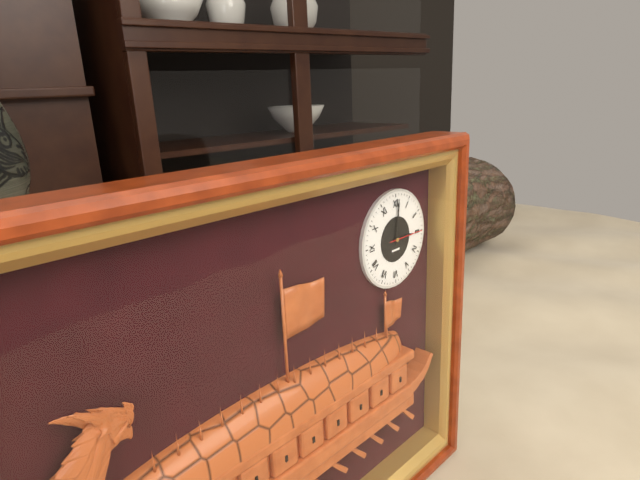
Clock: 3.01
